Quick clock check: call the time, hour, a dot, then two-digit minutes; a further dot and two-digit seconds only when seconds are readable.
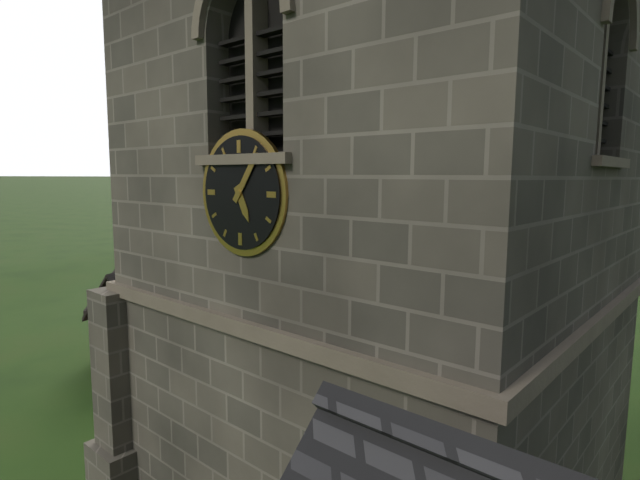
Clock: 5.06
